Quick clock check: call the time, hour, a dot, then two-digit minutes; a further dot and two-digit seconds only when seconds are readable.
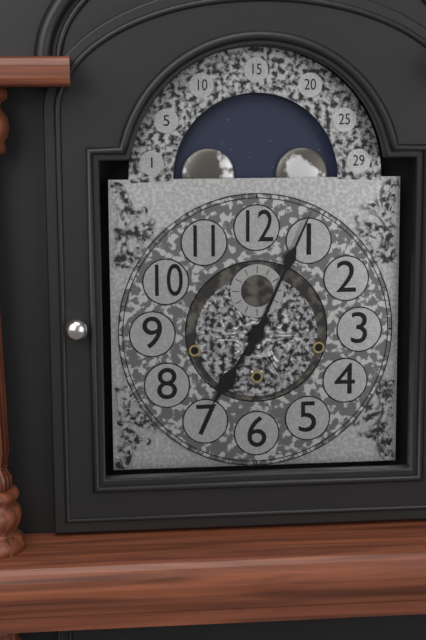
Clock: 7.04
